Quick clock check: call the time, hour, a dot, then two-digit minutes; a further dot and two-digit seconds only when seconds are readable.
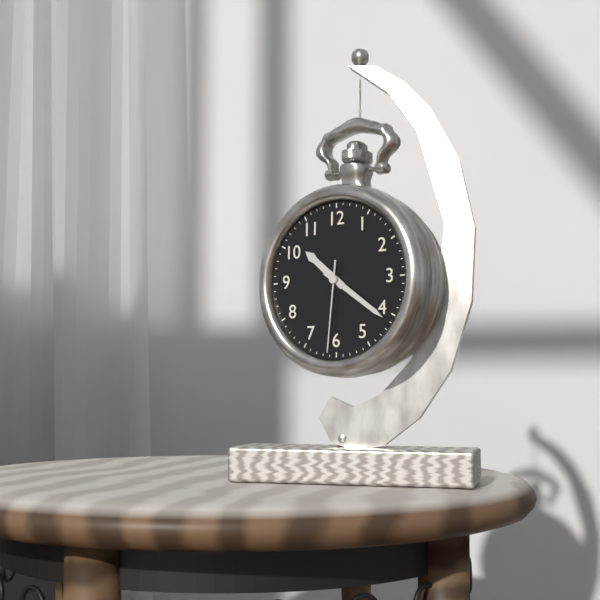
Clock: 10.21.31
